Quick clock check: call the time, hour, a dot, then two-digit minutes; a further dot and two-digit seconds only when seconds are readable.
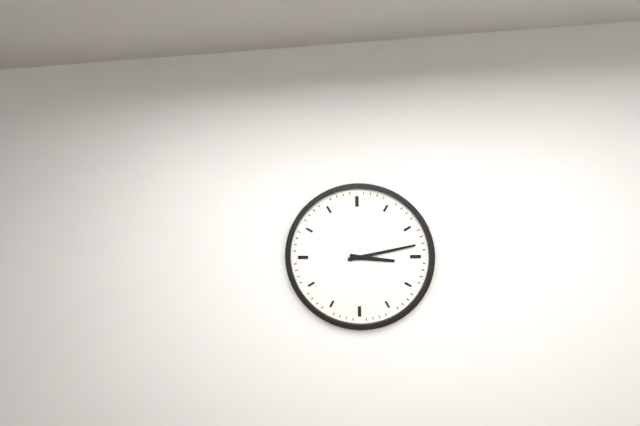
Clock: 3.13
